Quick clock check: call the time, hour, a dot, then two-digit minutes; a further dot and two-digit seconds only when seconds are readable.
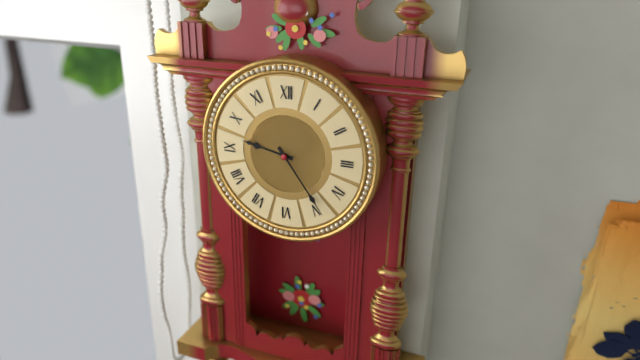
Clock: 9.24
